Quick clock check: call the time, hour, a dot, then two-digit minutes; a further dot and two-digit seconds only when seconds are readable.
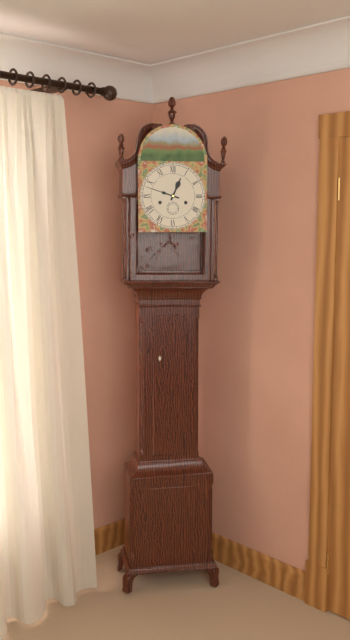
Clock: 12.48
